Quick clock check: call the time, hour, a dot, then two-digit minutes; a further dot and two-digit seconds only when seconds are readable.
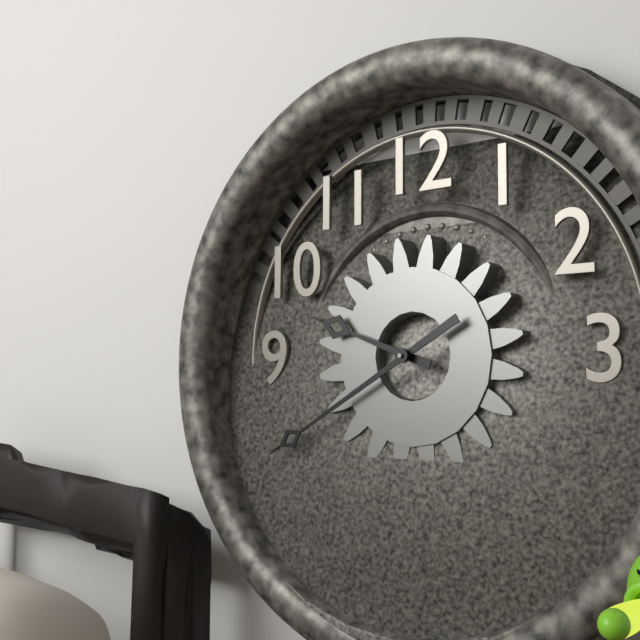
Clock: 9.40
